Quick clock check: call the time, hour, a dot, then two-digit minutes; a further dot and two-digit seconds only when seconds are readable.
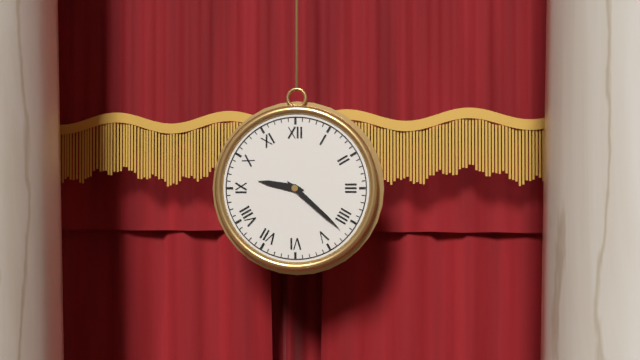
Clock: 9.22
